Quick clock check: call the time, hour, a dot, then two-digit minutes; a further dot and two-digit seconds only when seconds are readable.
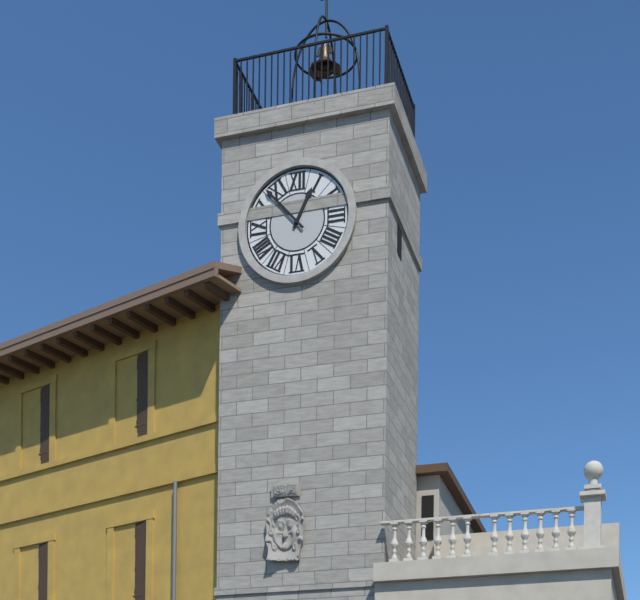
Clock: 12.53
